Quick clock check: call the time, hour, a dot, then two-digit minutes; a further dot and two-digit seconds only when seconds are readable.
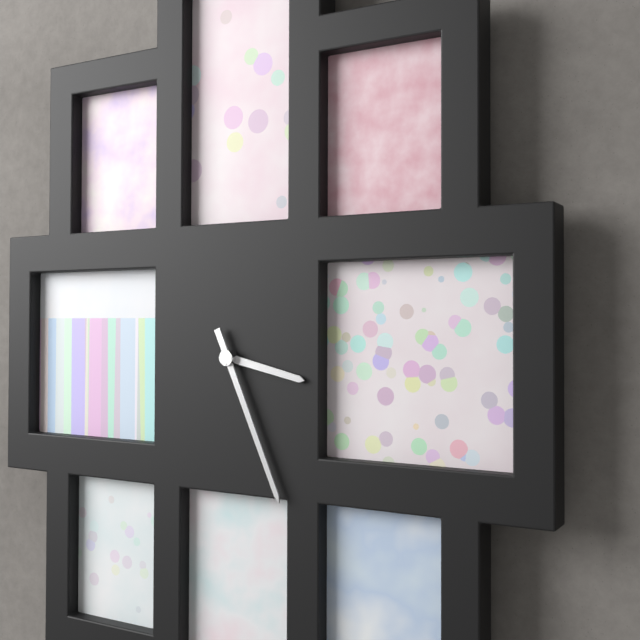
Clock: 3.26
